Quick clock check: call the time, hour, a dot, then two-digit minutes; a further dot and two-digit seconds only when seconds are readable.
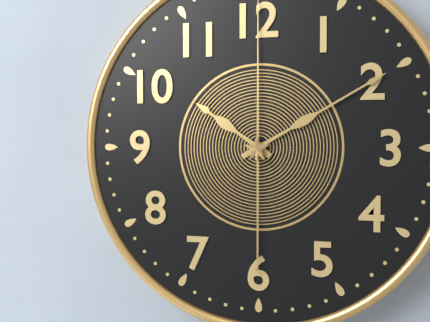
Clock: 10.10
